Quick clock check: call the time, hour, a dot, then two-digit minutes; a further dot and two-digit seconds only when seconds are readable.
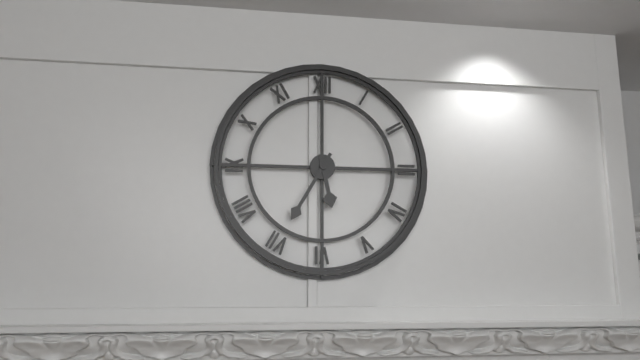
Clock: 5.35
